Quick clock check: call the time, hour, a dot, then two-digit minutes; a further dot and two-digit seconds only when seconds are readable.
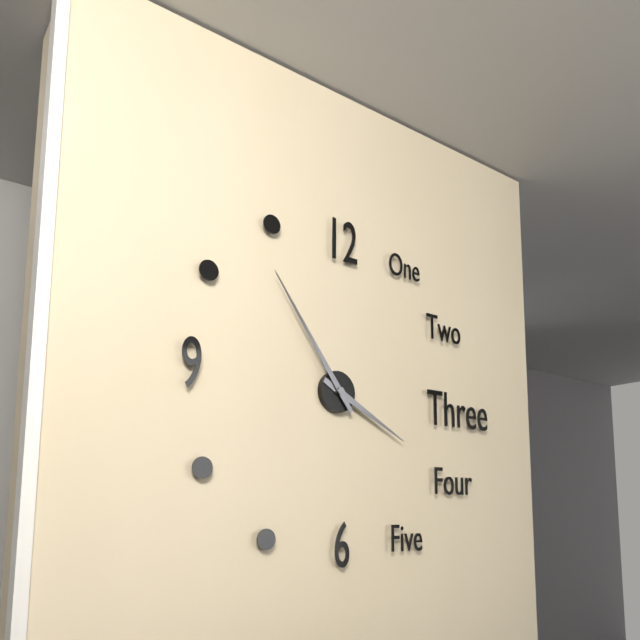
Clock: 3.54
